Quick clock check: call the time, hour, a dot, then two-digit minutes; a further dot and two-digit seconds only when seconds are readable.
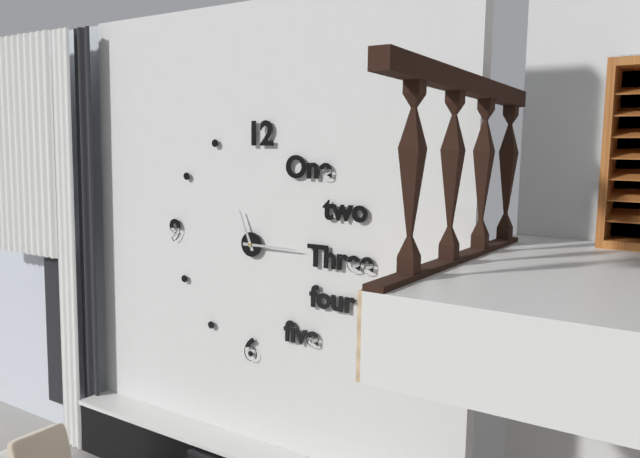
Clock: 11.15
